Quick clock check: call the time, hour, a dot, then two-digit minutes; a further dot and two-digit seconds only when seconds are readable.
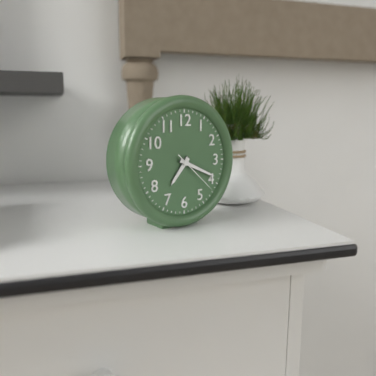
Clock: 7.19.22
